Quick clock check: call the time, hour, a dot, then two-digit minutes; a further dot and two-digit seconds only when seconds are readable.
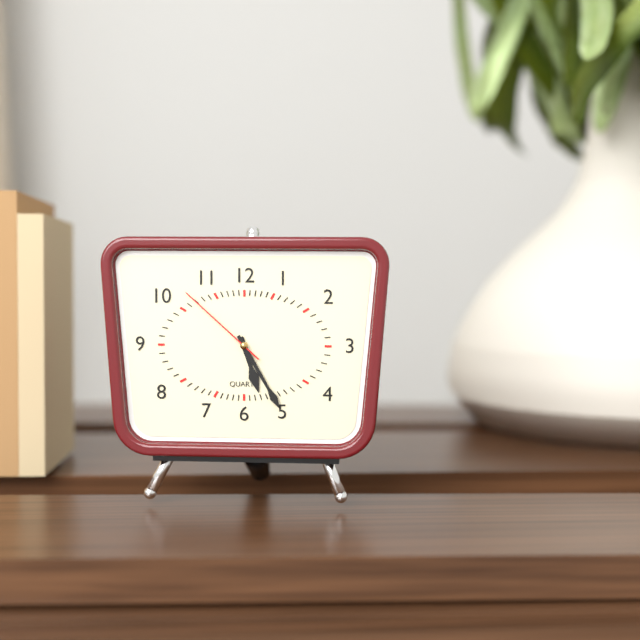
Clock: 5.25.52
